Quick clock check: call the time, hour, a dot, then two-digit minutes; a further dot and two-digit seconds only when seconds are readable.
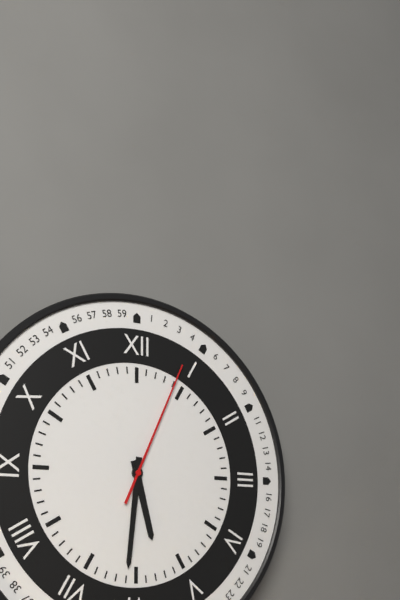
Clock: 5.31.04
